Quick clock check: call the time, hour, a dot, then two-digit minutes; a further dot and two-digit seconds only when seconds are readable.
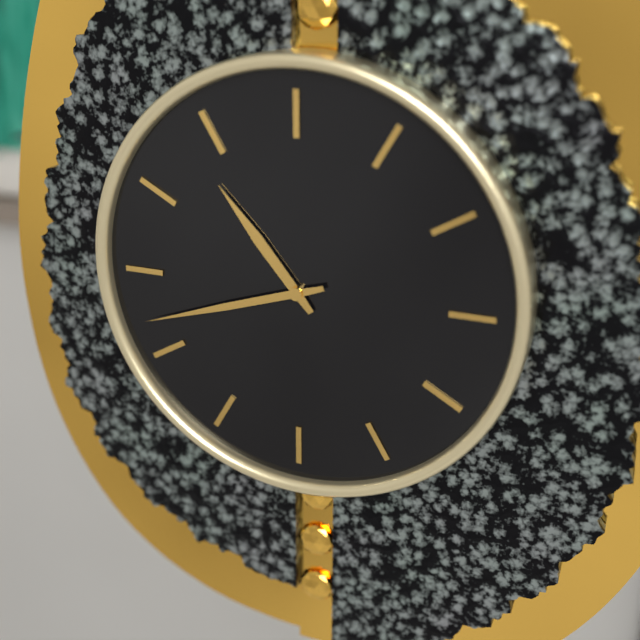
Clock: 10.42
